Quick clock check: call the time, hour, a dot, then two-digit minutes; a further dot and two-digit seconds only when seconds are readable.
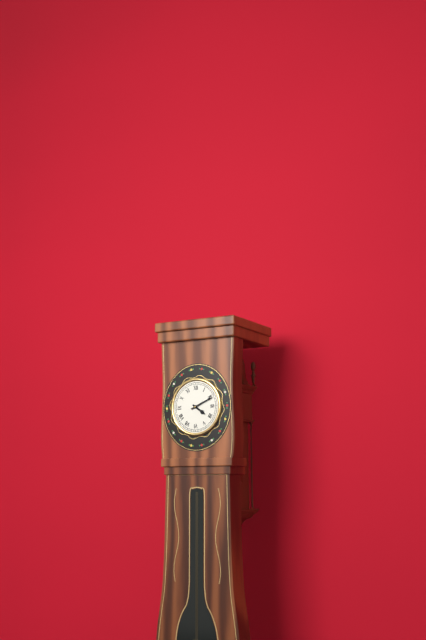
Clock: 4.11
